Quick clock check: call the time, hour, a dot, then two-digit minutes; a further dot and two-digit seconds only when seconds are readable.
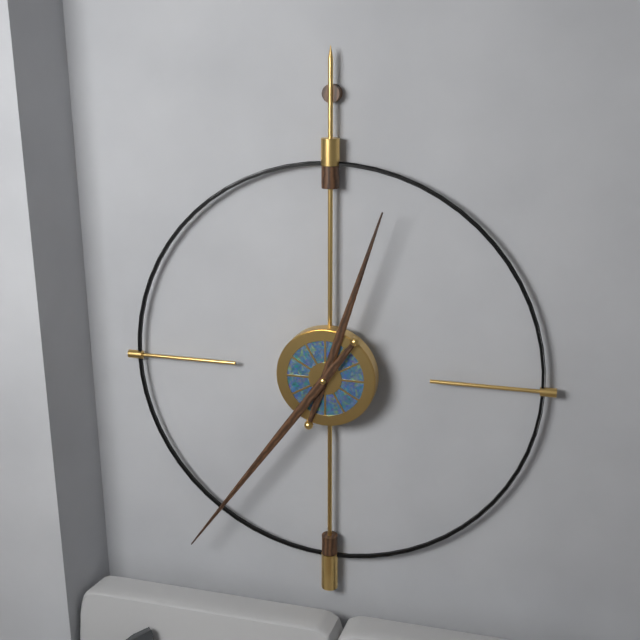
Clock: 12.36
